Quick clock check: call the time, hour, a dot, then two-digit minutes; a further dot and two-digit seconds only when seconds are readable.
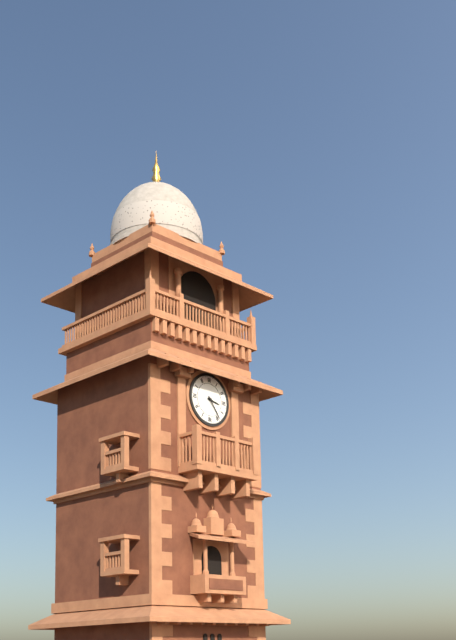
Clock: 3.24
